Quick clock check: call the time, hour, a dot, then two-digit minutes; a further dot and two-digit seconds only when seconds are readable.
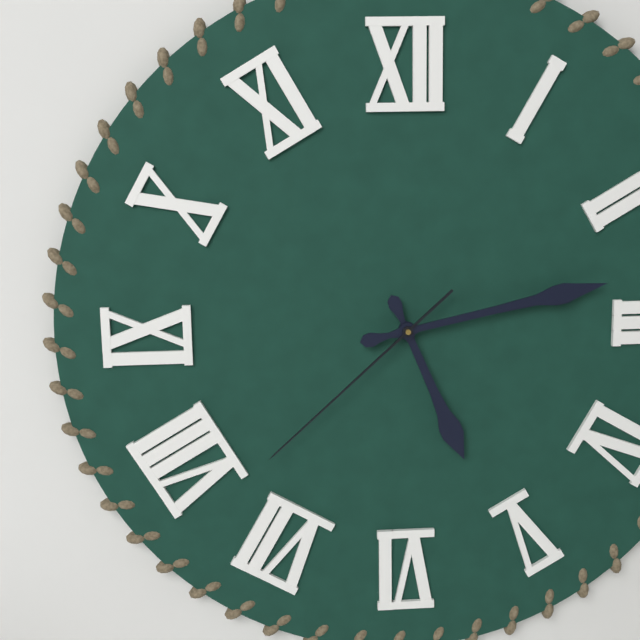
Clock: 5.13.38
